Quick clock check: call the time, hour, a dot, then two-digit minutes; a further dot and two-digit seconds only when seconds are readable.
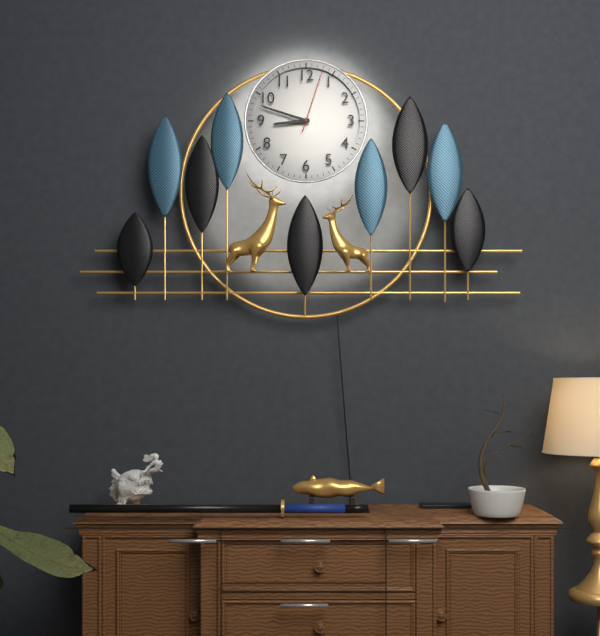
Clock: 8.48.03
